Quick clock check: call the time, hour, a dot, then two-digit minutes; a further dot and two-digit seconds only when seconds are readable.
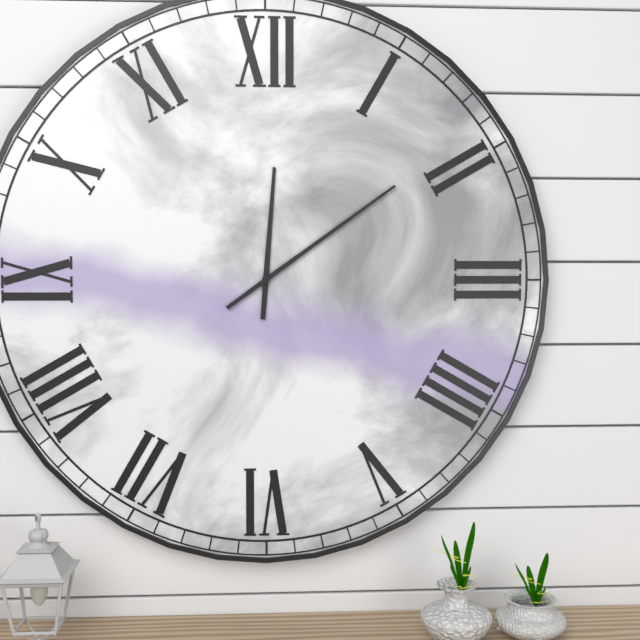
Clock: 12.09
